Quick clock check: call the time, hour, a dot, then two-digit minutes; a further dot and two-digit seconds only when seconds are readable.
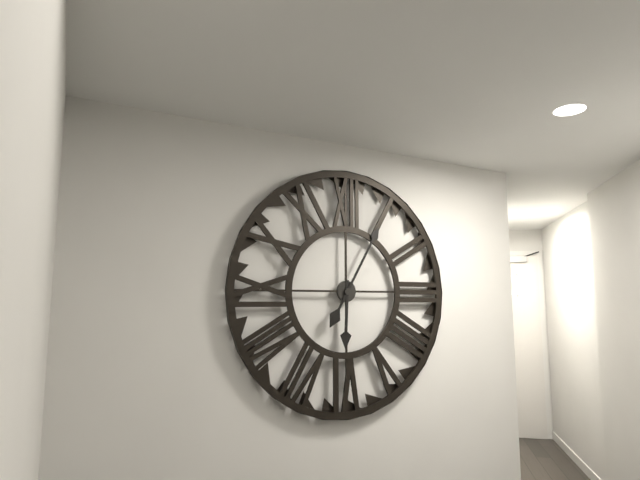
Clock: 6.05
